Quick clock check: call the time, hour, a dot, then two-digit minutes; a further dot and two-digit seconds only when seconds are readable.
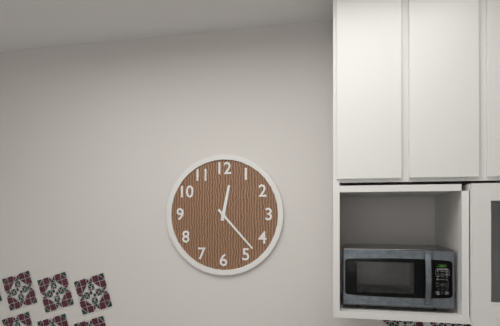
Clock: 12.23
